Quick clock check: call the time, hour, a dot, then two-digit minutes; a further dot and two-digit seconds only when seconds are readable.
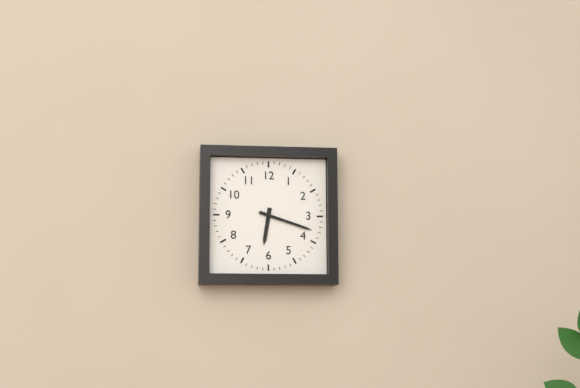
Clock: 6.18
